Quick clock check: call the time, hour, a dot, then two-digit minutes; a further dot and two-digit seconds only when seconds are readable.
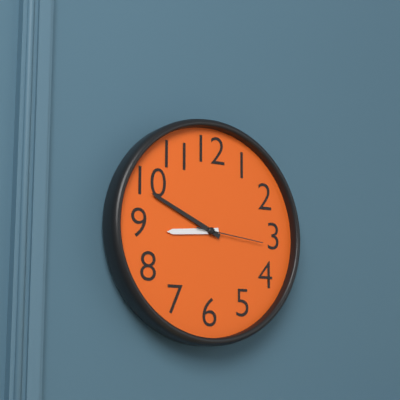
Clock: 8.49.16
